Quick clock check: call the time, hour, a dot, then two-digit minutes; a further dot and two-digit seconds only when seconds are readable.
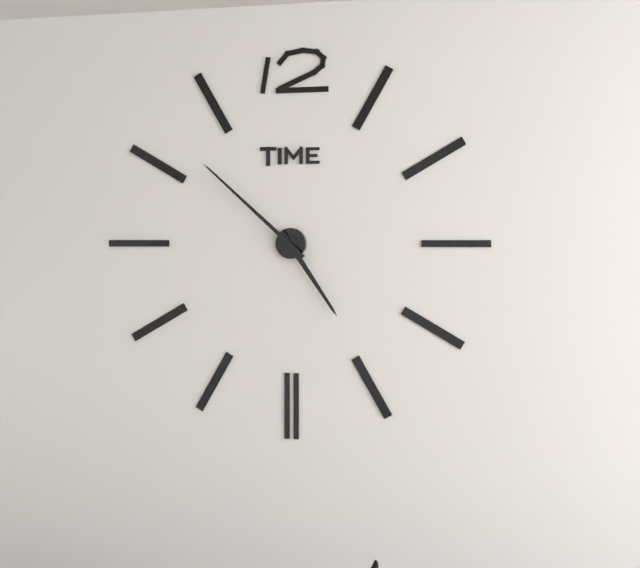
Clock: 4.52
